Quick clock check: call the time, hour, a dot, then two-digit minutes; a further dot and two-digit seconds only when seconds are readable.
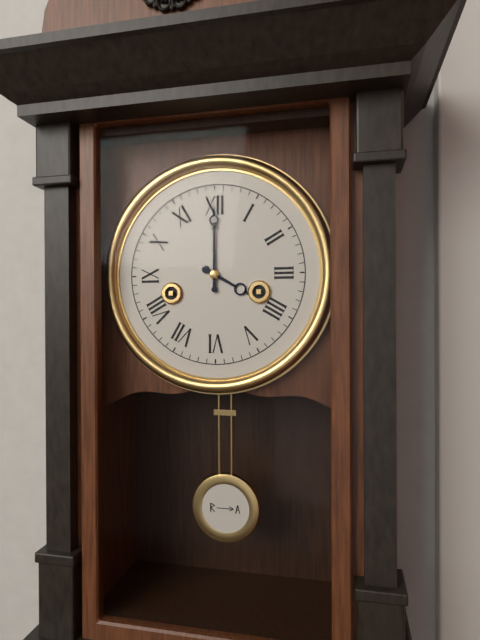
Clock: 4.00
